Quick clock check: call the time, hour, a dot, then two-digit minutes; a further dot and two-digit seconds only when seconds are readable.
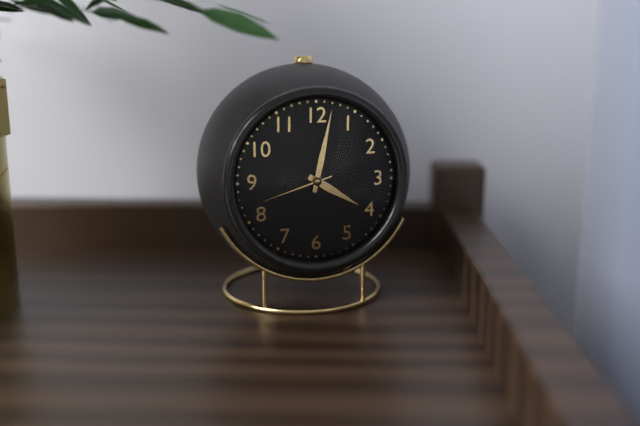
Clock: 4.02.42
